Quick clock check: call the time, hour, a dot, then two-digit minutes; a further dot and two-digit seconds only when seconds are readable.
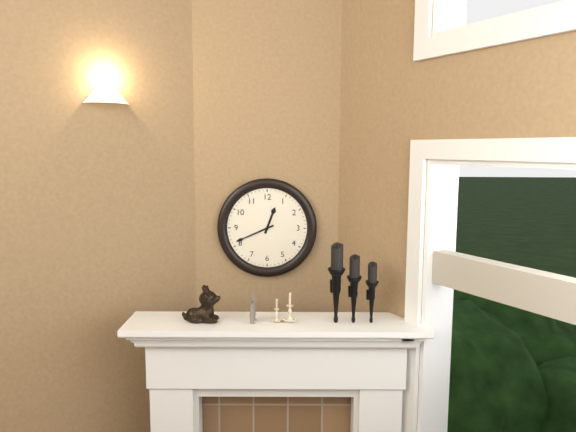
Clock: 12.41
